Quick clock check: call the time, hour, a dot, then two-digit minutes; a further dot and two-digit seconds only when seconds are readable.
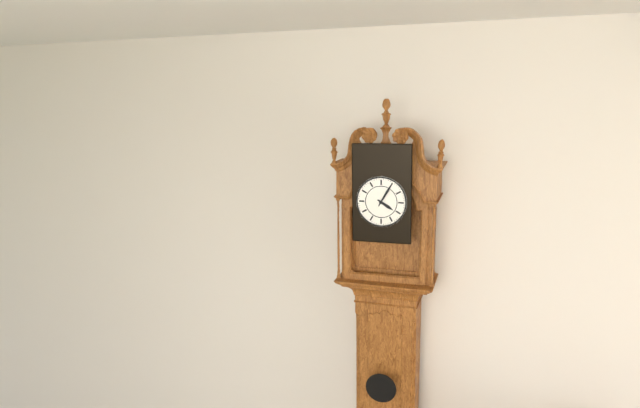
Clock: 4.05
